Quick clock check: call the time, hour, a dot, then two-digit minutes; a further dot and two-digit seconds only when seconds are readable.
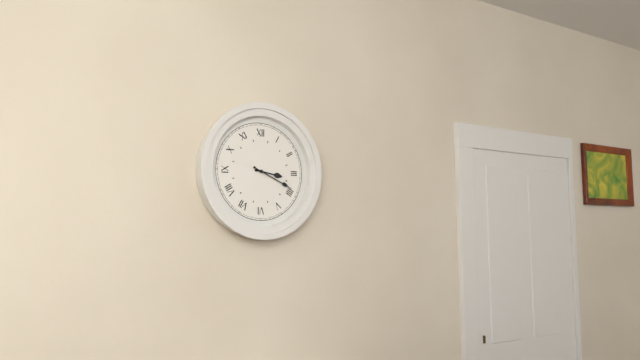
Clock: 3.19
